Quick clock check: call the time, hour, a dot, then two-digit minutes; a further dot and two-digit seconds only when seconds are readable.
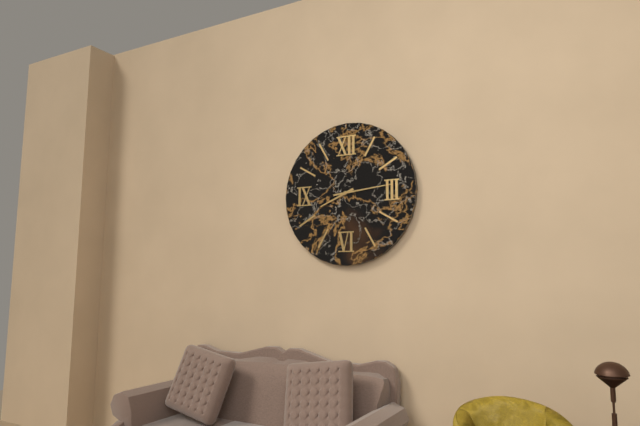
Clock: 8.14
